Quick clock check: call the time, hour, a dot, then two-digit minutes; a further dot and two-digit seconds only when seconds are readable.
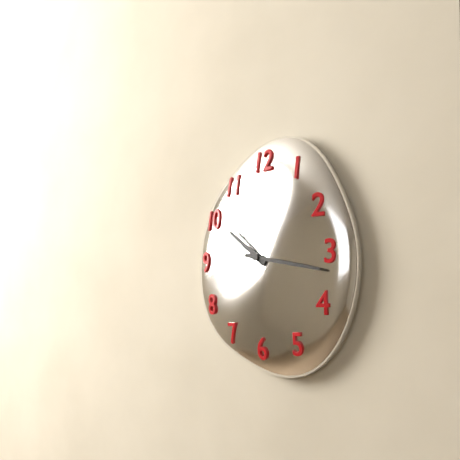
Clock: 10.17
